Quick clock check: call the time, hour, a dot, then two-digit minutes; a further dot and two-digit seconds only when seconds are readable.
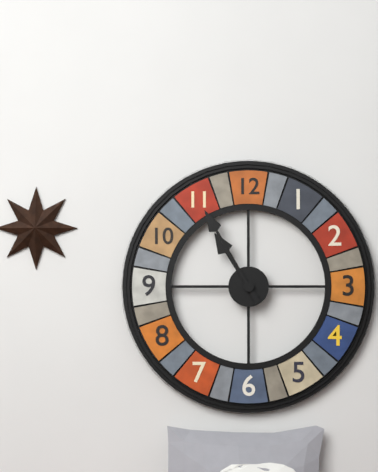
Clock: 10.55
